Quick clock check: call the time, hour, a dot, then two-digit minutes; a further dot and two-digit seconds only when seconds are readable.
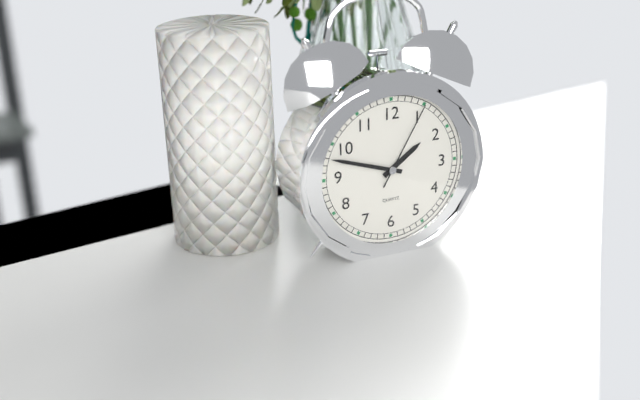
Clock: 1.48.05
